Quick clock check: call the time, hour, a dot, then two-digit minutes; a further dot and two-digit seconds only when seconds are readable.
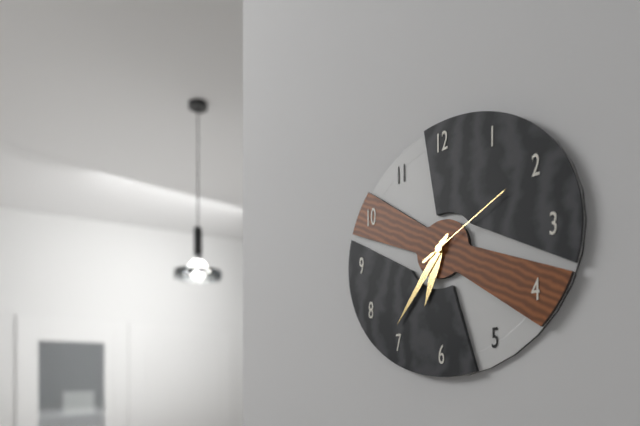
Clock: 6.36.10
